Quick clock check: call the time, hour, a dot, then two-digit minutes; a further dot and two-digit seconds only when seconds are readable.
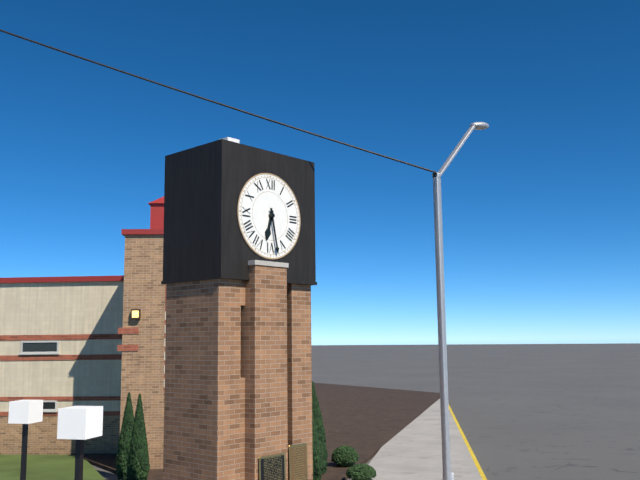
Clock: 6.28
